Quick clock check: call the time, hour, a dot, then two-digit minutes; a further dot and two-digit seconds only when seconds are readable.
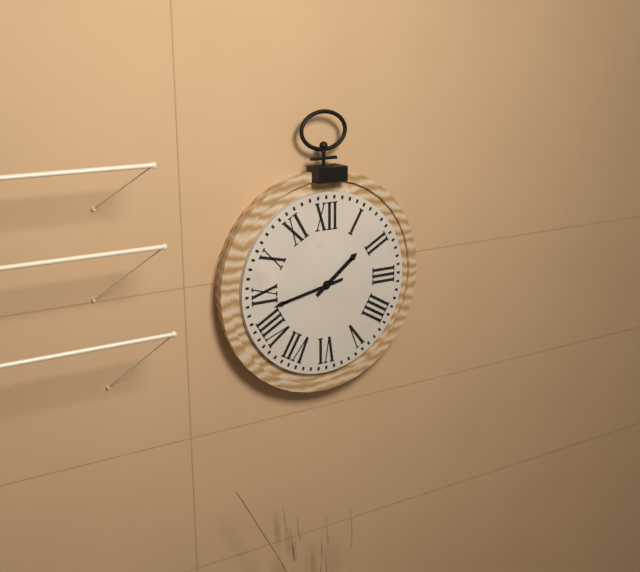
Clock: 1.43
